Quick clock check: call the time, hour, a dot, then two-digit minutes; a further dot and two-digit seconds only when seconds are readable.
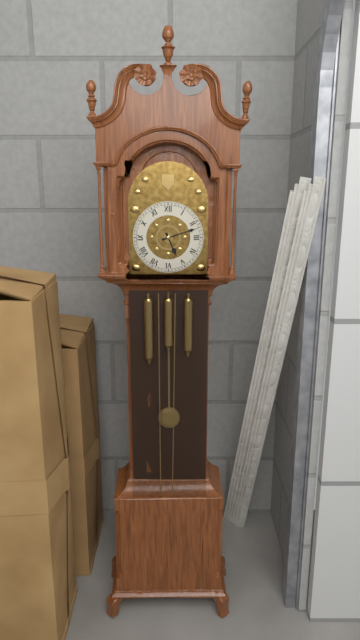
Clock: 5.12
